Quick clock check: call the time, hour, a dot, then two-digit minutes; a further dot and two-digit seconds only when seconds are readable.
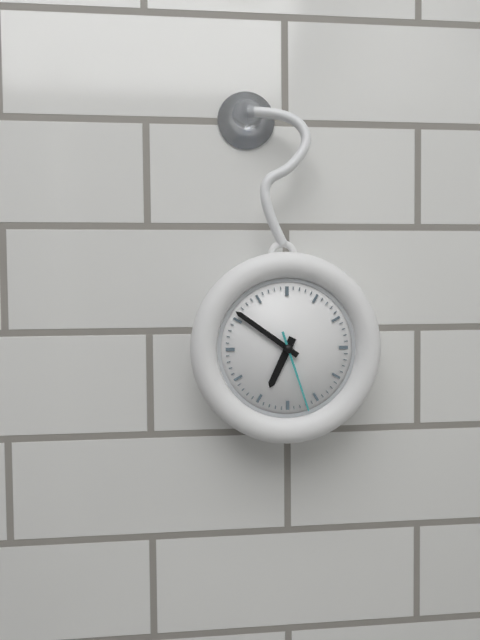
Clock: 6.51.27
